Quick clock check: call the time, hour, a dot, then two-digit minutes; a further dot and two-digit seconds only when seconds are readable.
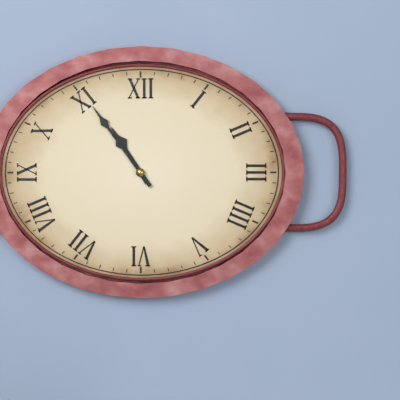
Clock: 10.54
